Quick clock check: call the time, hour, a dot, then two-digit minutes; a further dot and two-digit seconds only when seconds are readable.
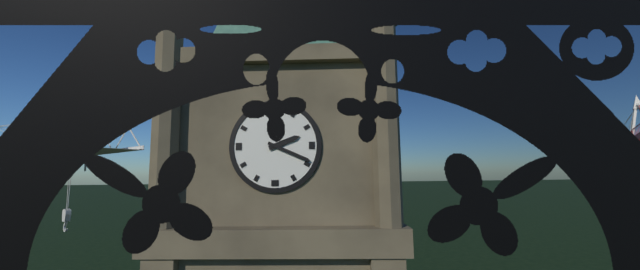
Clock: 2.19
